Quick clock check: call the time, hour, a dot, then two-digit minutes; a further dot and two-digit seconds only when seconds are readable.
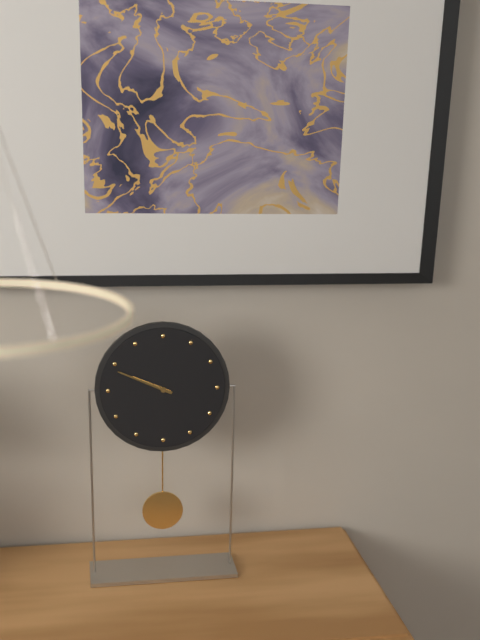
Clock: 9.49
